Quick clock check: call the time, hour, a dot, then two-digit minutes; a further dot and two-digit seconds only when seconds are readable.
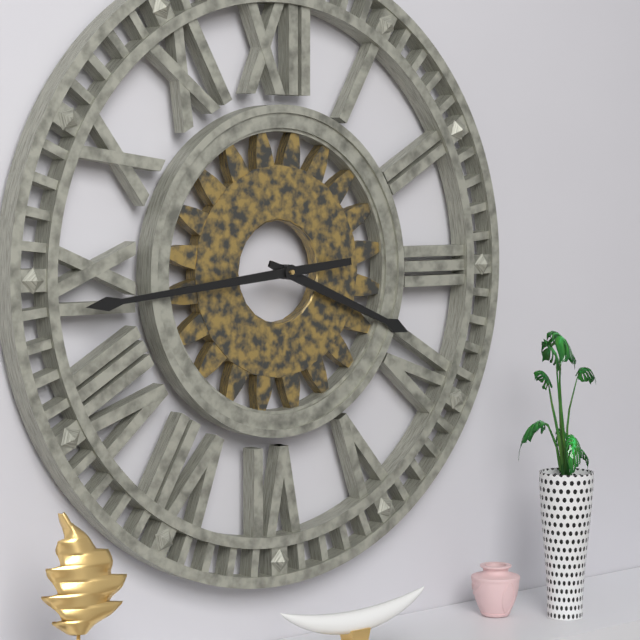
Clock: 3.44
